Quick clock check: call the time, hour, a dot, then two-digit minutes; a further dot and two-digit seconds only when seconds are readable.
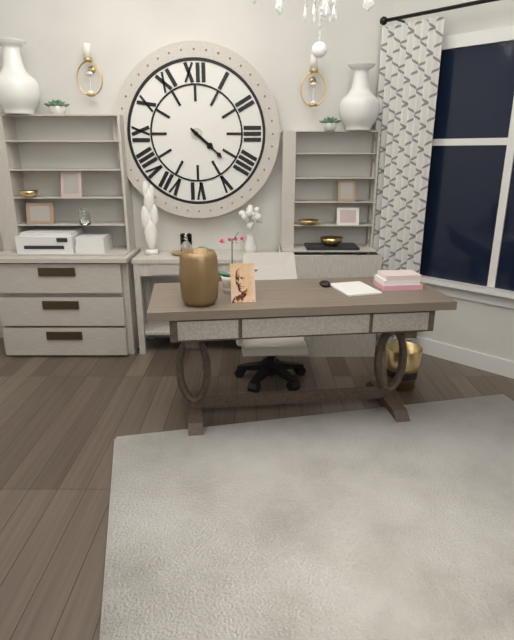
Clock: 4.22
